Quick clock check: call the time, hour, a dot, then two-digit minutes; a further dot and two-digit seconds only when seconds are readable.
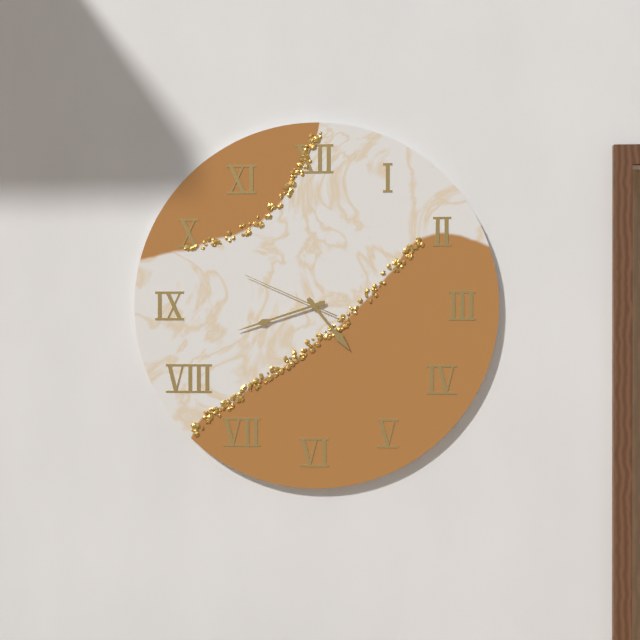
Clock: 4.42.49
